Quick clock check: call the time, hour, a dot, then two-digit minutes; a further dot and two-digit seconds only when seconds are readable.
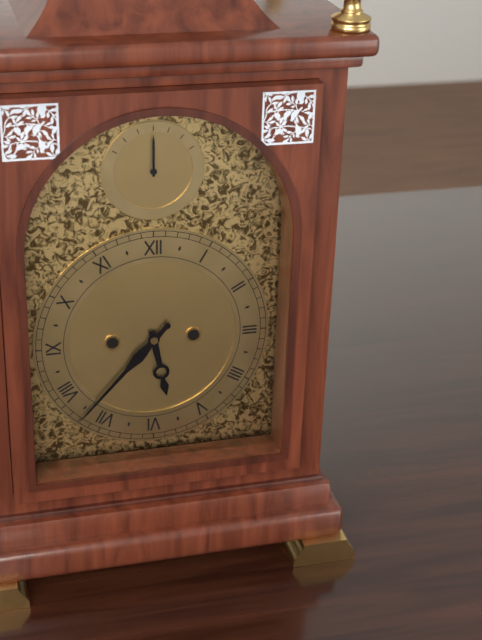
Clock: 5.37
